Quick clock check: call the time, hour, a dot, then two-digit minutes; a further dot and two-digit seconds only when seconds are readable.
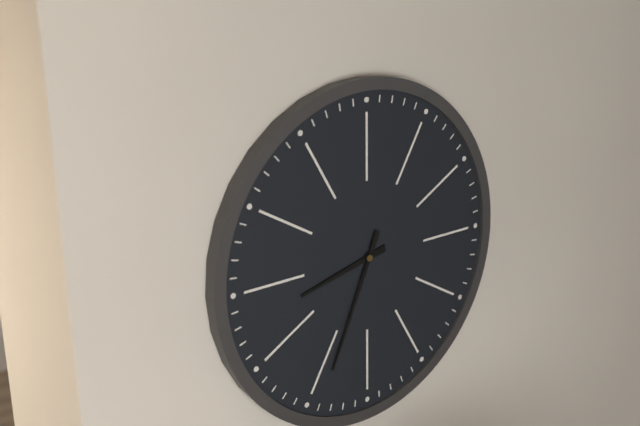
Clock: 8.34
